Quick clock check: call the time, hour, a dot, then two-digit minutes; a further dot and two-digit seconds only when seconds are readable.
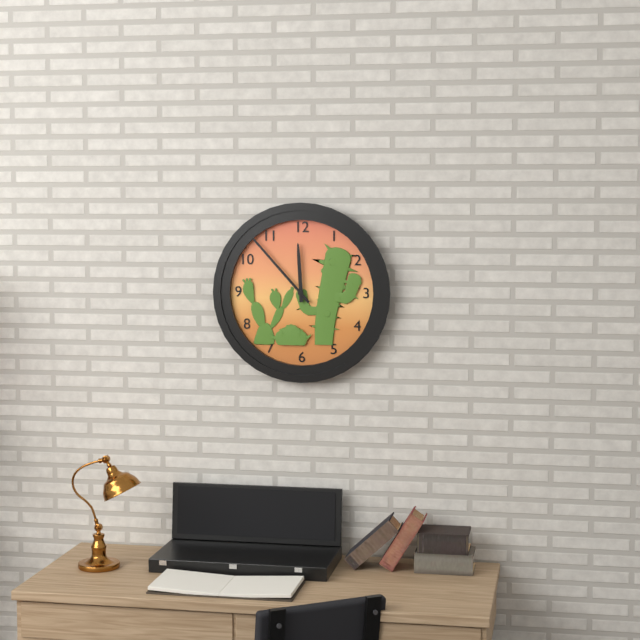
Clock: 11.53
